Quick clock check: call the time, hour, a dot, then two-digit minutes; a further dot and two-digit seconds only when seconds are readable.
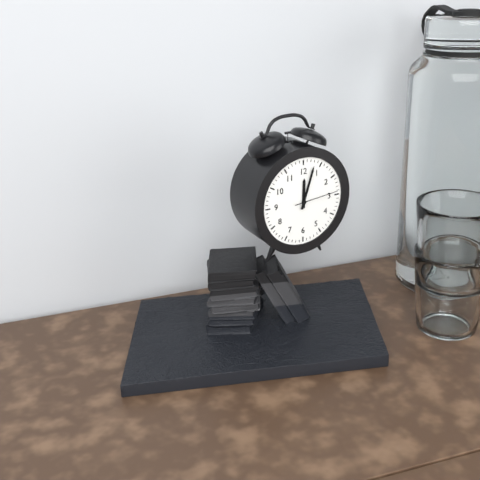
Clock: 12.03
